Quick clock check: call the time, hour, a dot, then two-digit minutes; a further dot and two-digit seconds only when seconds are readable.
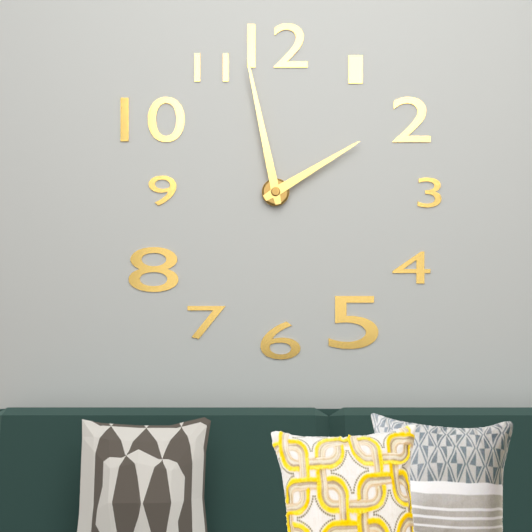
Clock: 1.58
